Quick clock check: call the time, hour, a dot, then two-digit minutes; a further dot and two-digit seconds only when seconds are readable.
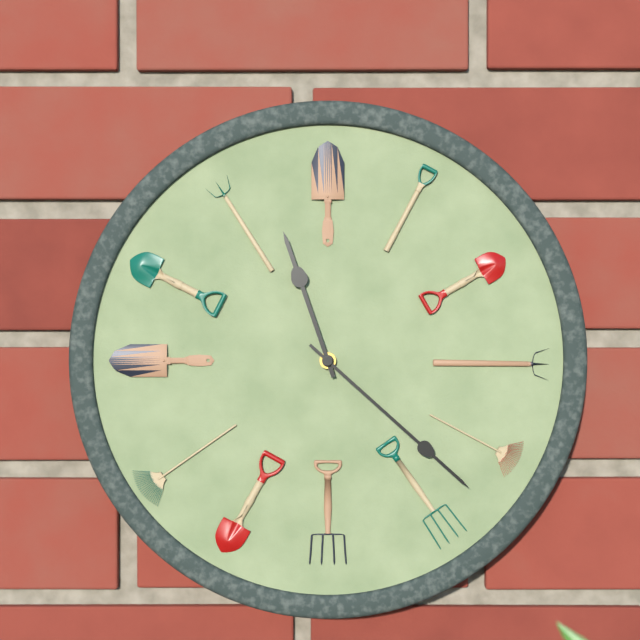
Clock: 11.22
